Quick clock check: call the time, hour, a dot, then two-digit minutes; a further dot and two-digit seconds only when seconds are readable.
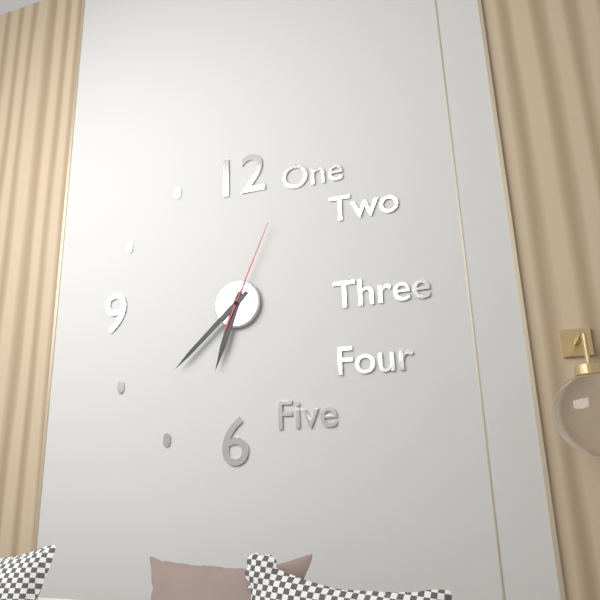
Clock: 6.38.04
